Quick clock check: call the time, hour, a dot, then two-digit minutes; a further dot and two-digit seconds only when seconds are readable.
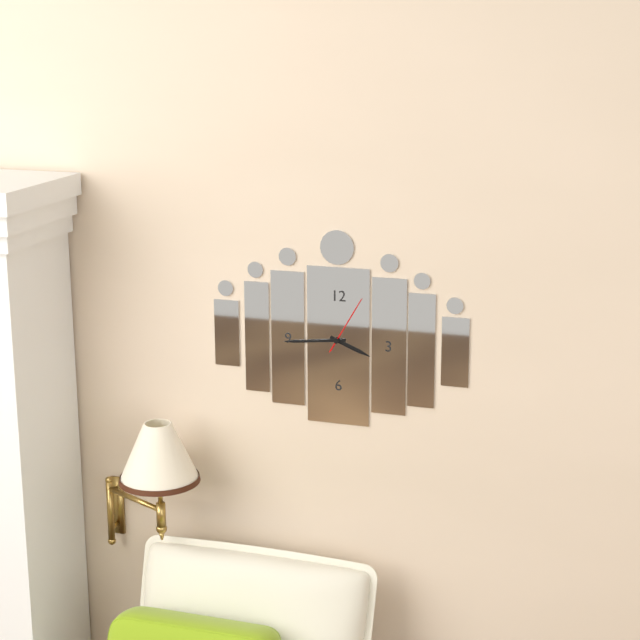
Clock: 3.44.05
